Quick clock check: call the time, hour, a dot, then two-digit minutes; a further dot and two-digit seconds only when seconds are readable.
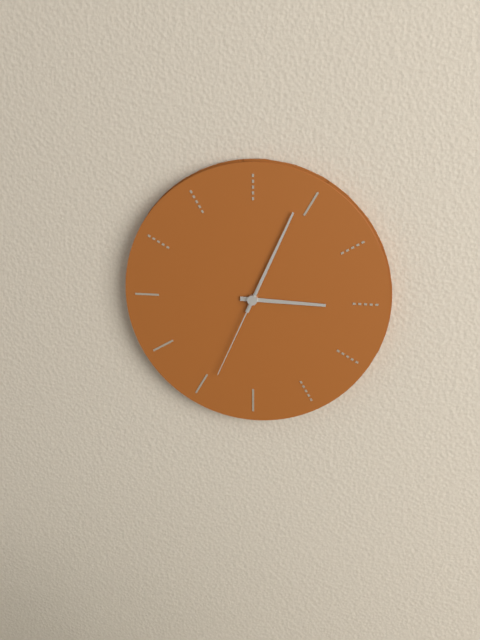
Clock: 3.04.34
